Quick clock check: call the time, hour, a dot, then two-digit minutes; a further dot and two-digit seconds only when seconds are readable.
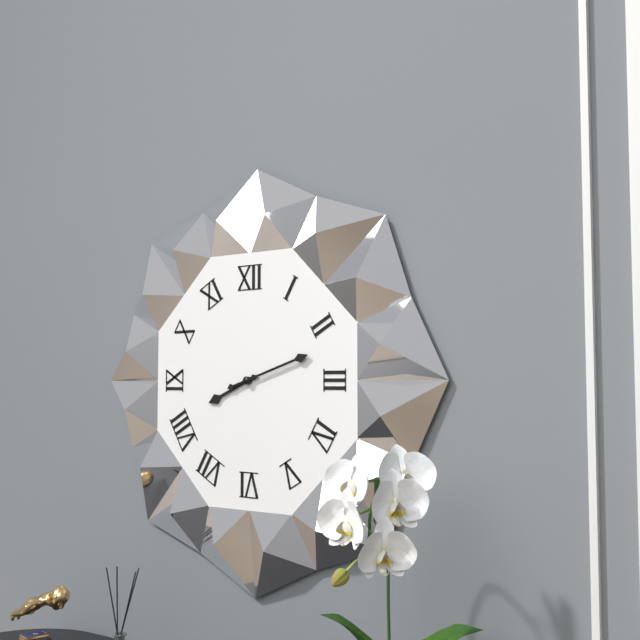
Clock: 8.12
